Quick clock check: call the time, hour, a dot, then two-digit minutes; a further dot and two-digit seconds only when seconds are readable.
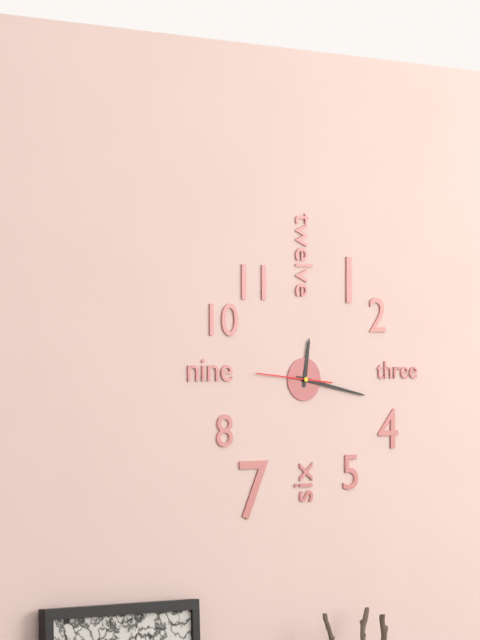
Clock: 12.17.46
